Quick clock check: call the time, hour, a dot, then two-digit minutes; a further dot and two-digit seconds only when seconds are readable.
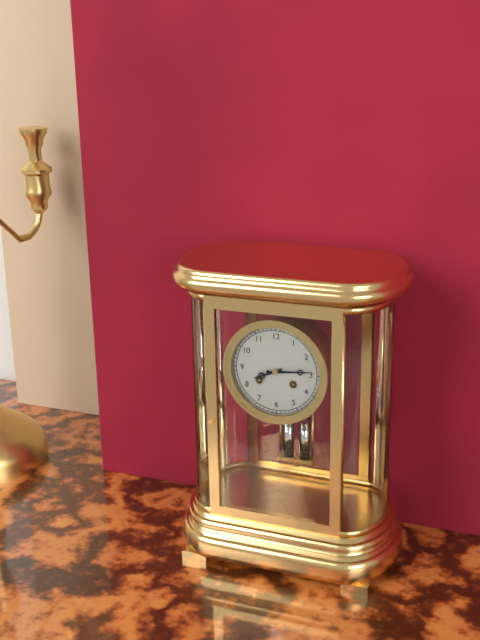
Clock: 8.14
